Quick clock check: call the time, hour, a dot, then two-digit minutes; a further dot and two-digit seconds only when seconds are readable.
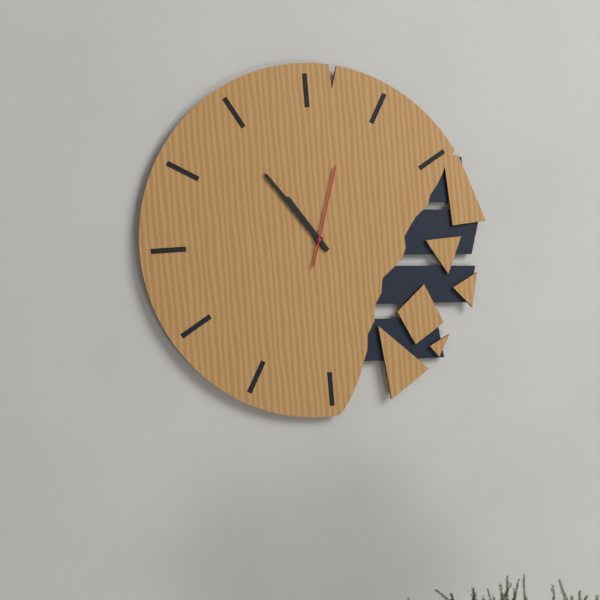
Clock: 10.54.03
